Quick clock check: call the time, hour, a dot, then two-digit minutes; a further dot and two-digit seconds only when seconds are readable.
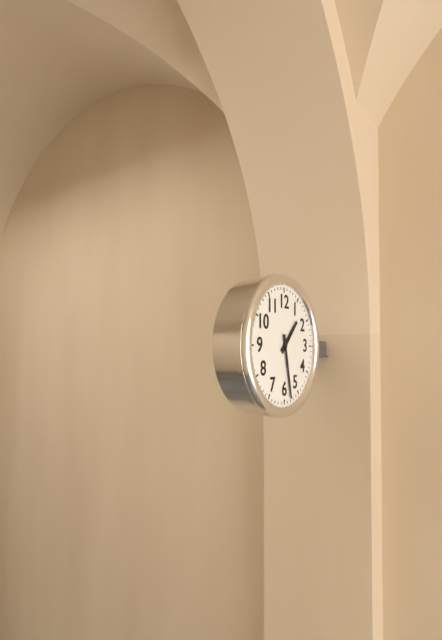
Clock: 1.28
